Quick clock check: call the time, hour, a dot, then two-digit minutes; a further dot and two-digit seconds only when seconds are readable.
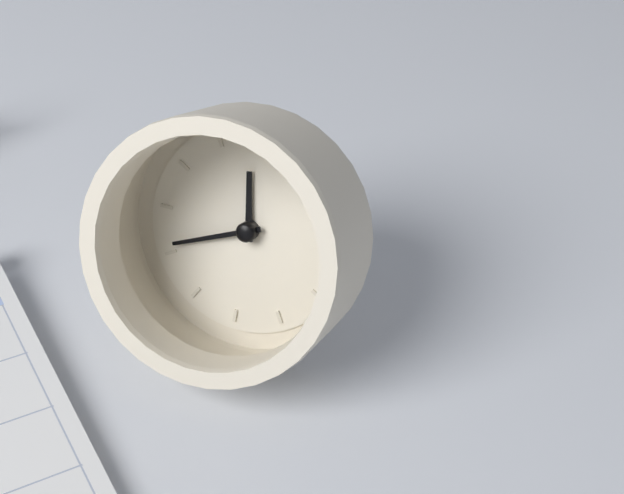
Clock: 11.41
